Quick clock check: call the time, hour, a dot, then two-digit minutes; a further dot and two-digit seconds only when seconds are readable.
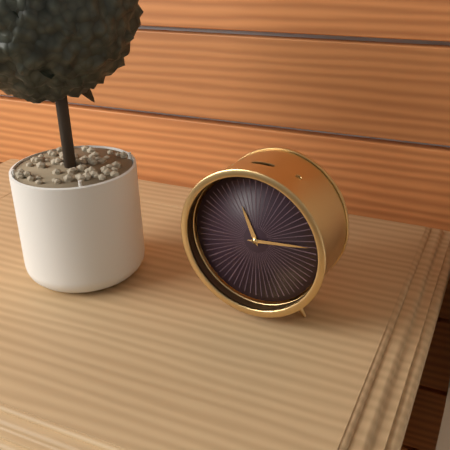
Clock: 11.14
